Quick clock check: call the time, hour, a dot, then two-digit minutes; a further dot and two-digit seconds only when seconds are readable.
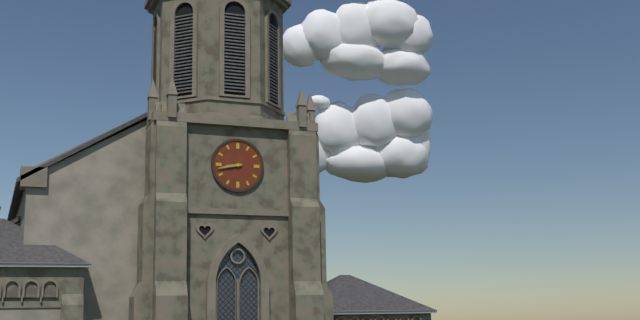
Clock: 8.43
